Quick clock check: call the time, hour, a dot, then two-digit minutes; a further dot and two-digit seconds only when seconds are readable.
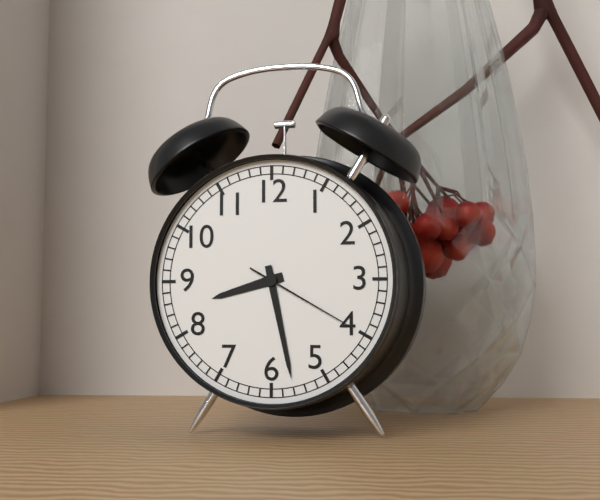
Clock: 8.28.20
